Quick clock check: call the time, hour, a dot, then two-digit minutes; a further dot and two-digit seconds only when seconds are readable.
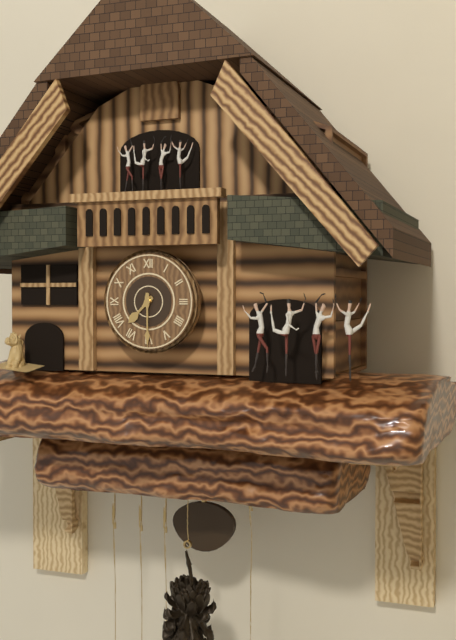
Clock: 7.30
